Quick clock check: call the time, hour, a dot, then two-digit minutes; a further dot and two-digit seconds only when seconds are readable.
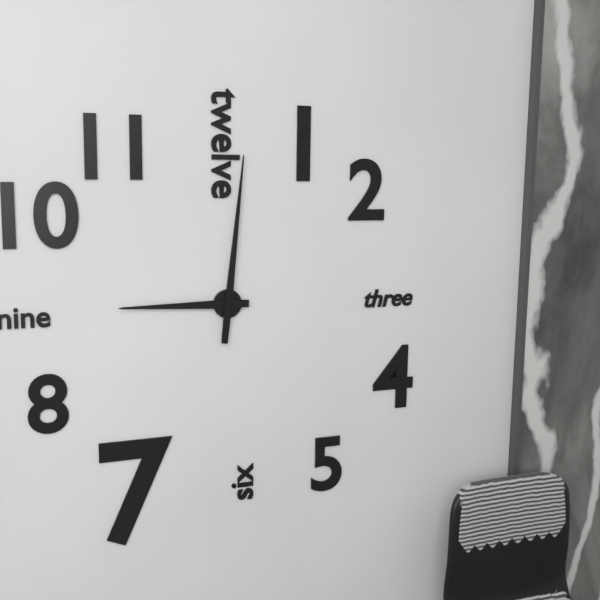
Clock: 9.01
